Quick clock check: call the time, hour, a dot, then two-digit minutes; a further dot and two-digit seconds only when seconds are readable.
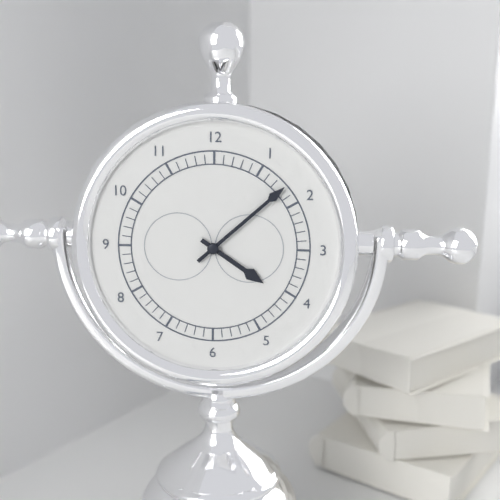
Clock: 4.08
